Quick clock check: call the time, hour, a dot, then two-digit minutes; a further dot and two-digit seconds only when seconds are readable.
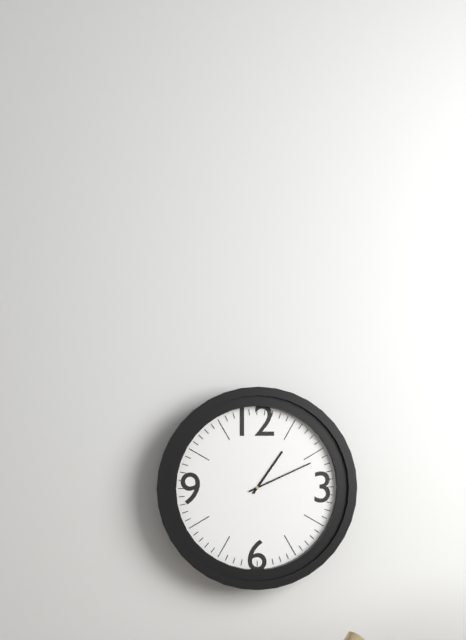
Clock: 1.11
